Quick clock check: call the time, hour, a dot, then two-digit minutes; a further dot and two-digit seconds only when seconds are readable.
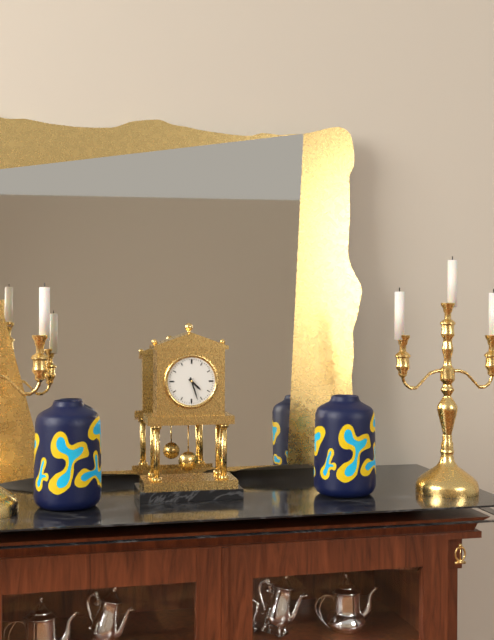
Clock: 4.27
